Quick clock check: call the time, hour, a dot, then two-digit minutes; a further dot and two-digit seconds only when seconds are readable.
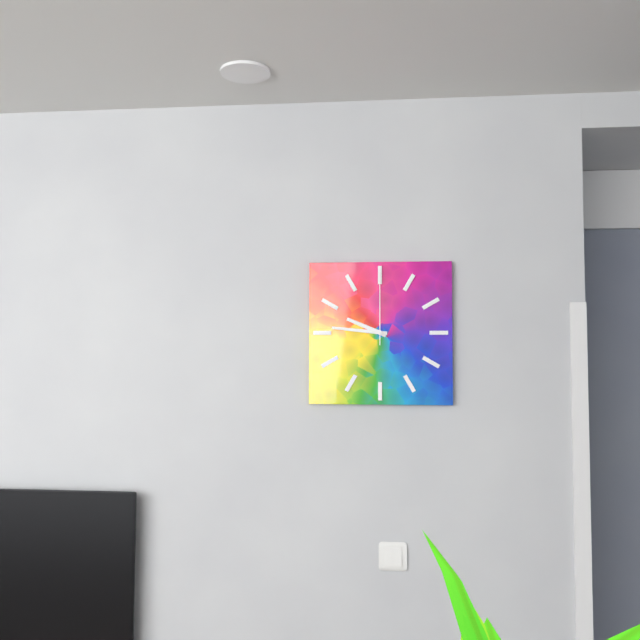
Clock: 9.46.00
